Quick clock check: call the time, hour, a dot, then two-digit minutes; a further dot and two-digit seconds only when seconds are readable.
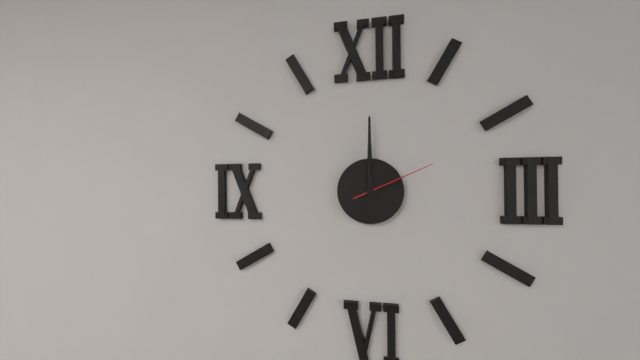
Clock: 12.00.11
